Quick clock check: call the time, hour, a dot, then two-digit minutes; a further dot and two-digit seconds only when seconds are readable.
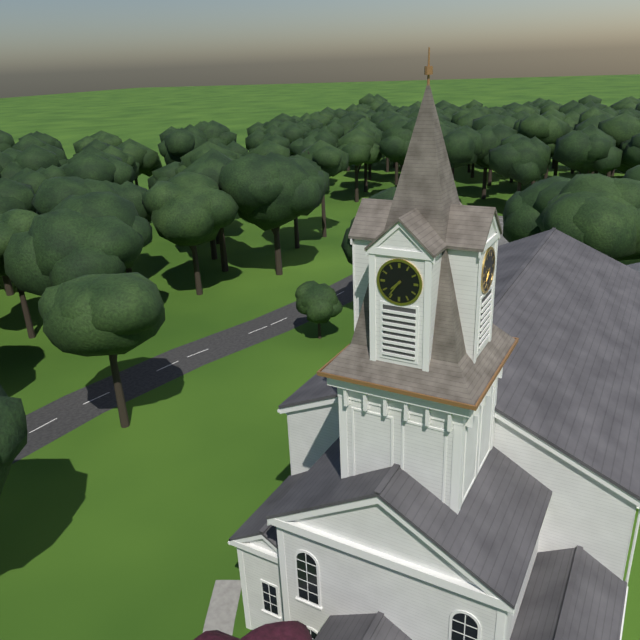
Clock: 7.36
